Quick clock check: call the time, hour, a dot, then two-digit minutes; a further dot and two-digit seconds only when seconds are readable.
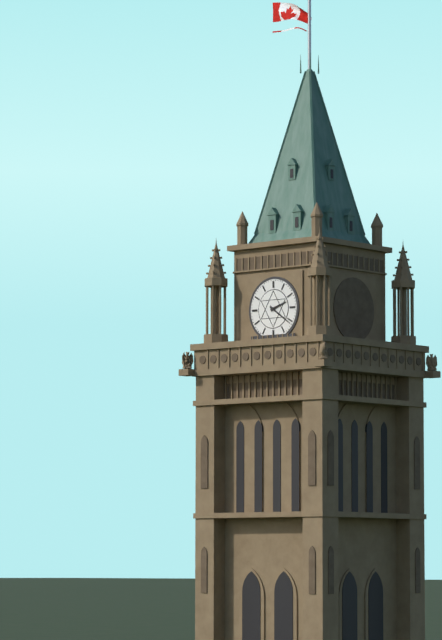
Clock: 2.21
